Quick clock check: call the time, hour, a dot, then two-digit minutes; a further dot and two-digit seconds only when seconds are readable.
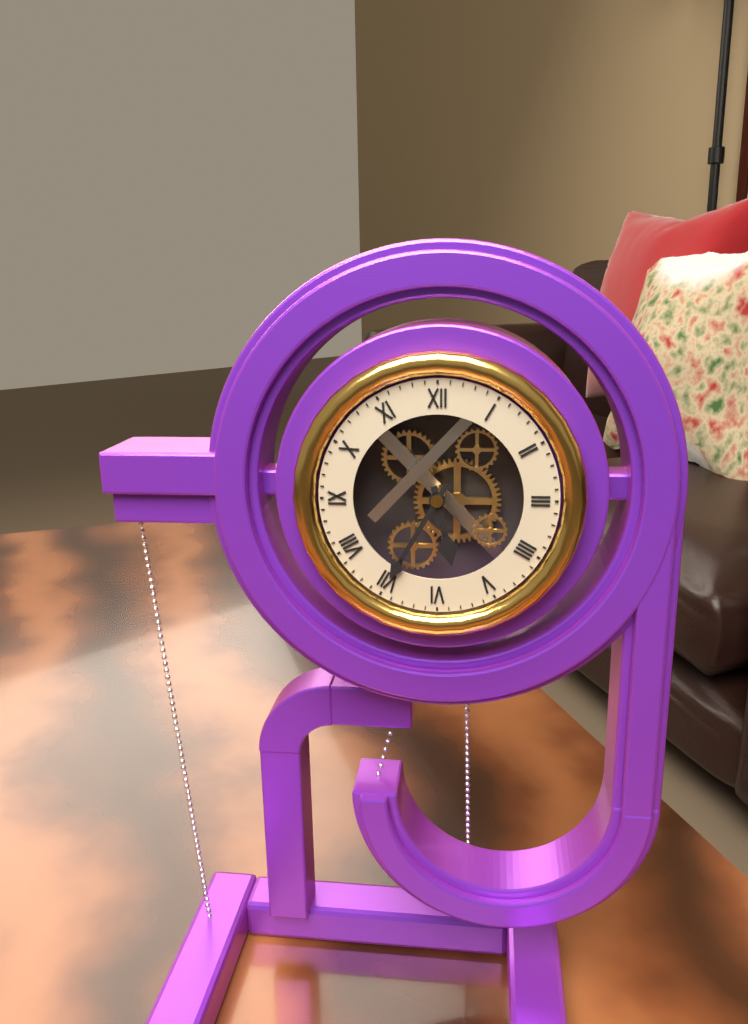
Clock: 5.35
